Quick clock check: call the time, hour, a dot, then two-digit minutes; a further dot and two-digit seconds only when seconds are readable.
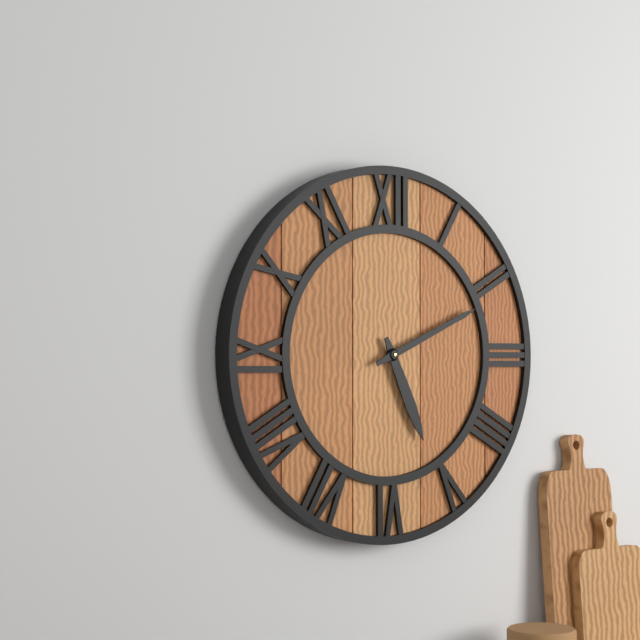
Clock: 5.11
